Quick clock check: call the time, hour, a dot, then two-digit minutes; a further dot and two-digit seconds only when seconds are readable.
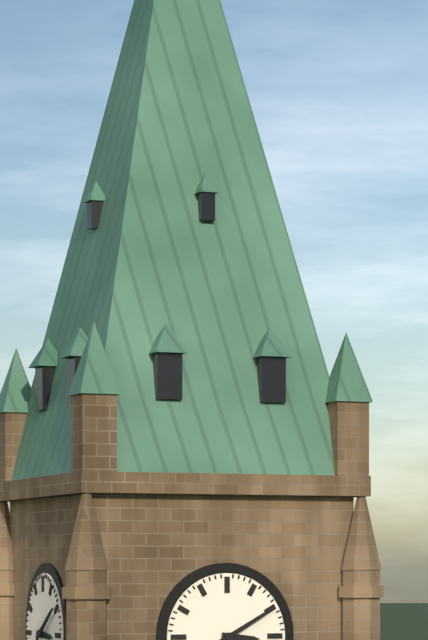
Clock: 3.10
